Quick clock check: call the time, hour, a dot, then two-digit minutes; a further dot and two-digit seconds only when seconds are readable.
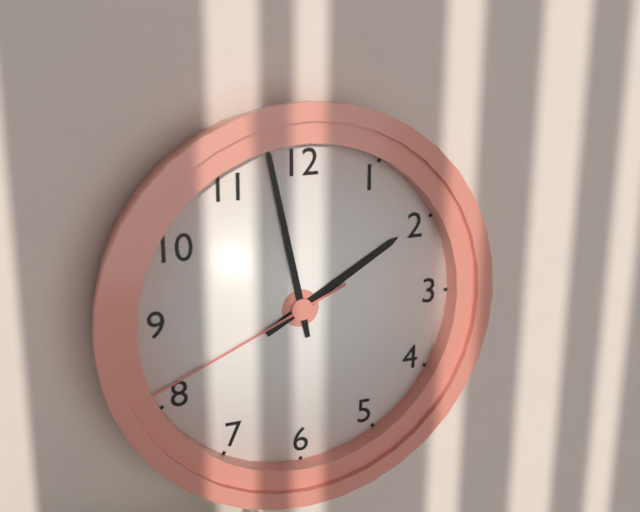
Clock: 1.58.41
